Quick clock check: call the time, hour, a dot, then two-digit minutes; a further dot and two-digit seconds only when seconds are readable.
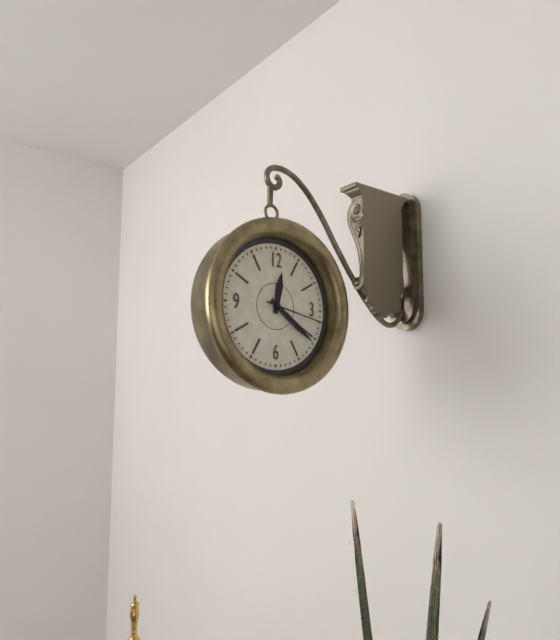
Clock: 12.21.17
